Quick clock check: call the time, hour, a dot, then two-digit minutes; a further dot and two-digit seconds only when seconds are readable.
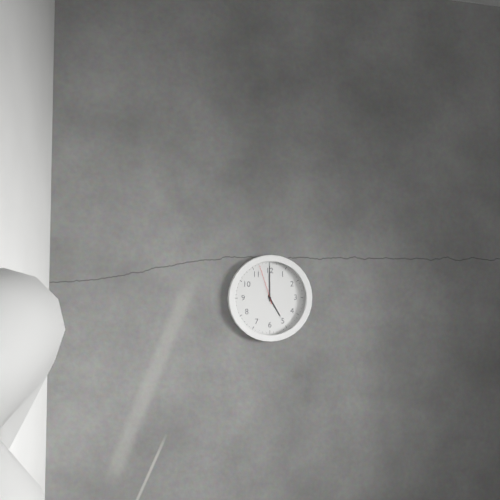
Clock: 5.00
